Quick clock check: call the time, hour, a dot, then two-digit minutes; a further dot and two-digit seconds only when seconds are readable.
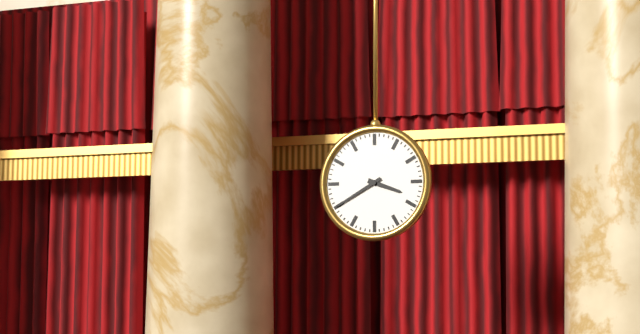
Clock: 3.40
